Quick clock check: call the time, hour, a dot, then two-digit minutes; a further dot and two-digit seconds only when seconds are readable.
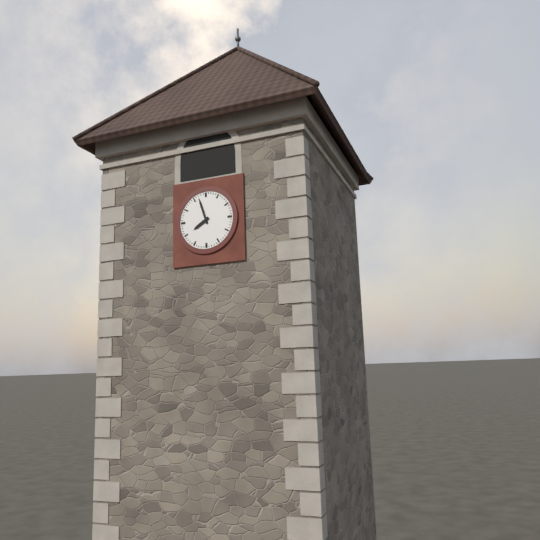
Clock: 7.57
